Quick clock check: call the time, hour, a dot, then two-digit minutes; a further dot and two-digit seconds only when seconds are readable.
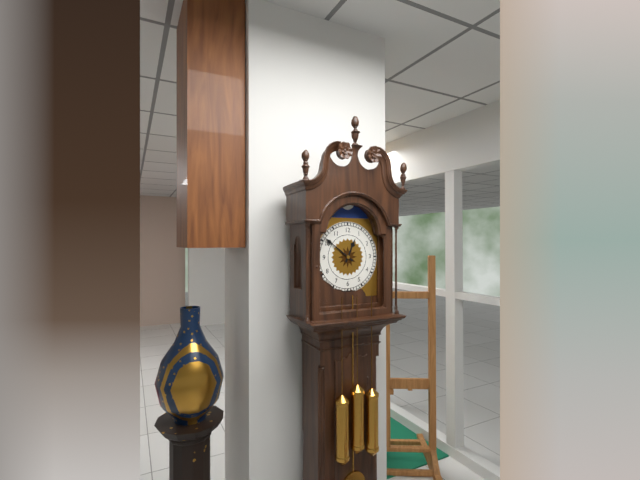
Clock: 12.51
